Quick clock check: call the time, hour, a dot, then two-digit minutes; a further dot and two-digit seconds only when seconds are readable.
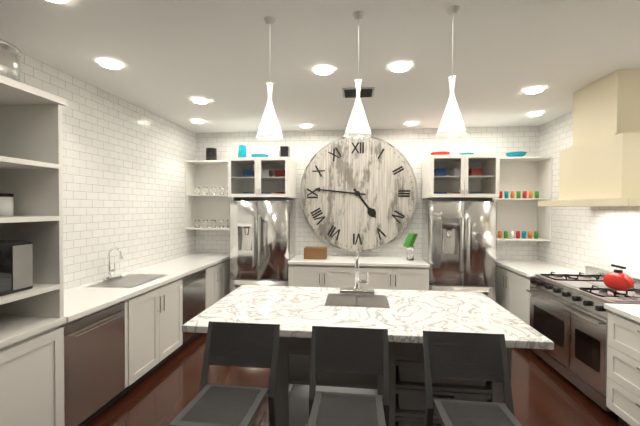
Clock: 4.46
